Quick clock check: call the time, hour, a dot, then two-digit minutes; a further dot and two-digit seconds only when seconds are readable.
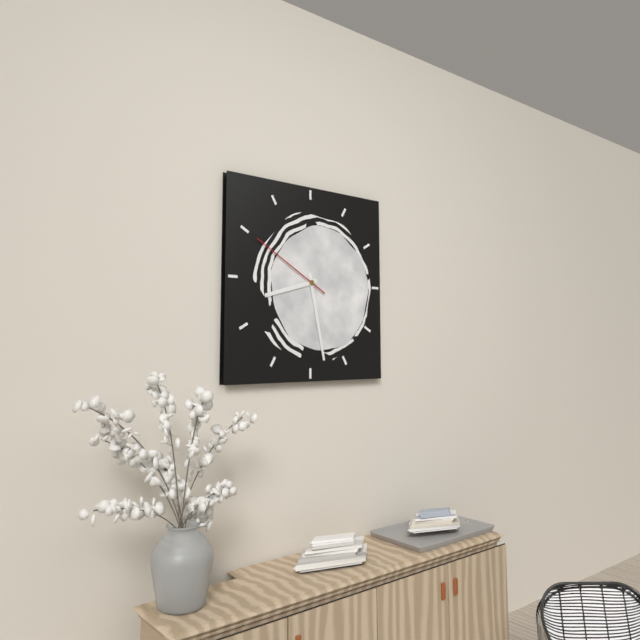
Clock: 8.28.50
